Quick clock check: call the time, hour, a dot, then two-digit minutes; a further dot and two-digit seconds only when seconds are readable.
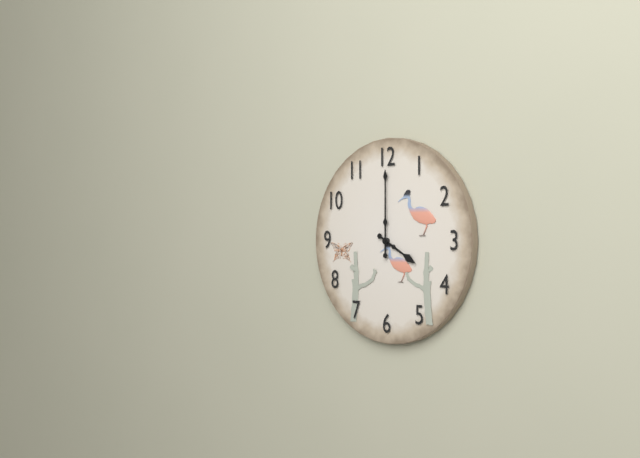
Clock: 4.00
